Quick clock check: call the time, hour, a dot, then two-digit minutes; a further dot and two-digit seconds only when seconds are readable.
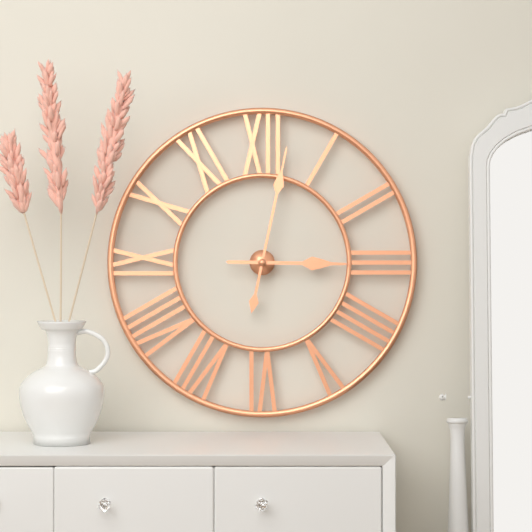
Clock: 3.02
